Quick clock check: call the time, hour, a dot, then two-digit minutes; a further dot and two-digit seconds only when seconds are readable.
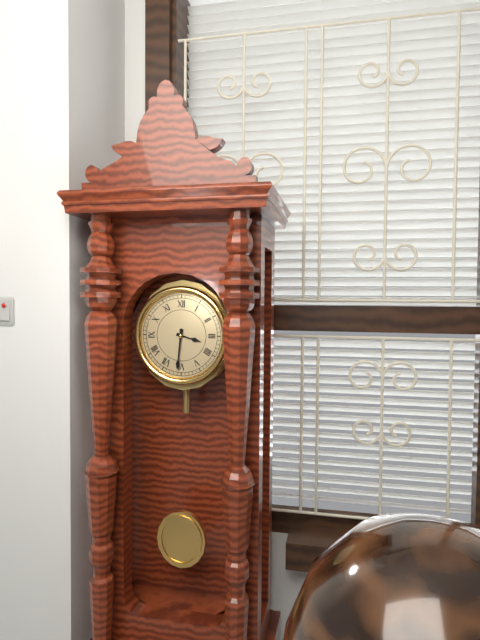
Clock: 3.31
